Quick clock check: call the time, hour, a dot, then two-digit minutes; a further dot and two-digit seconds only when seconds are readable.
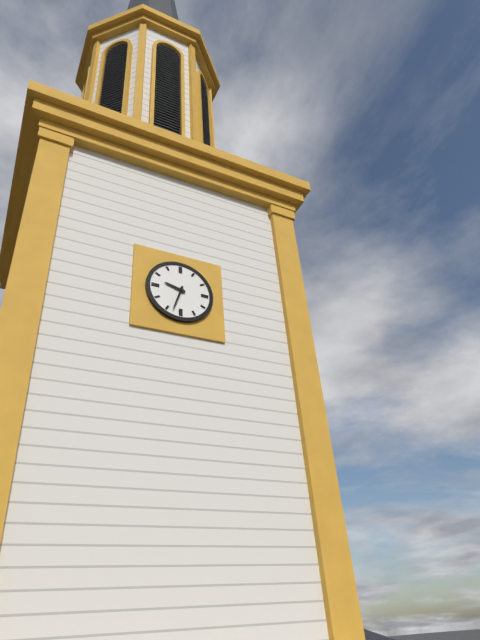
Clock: 9.33
